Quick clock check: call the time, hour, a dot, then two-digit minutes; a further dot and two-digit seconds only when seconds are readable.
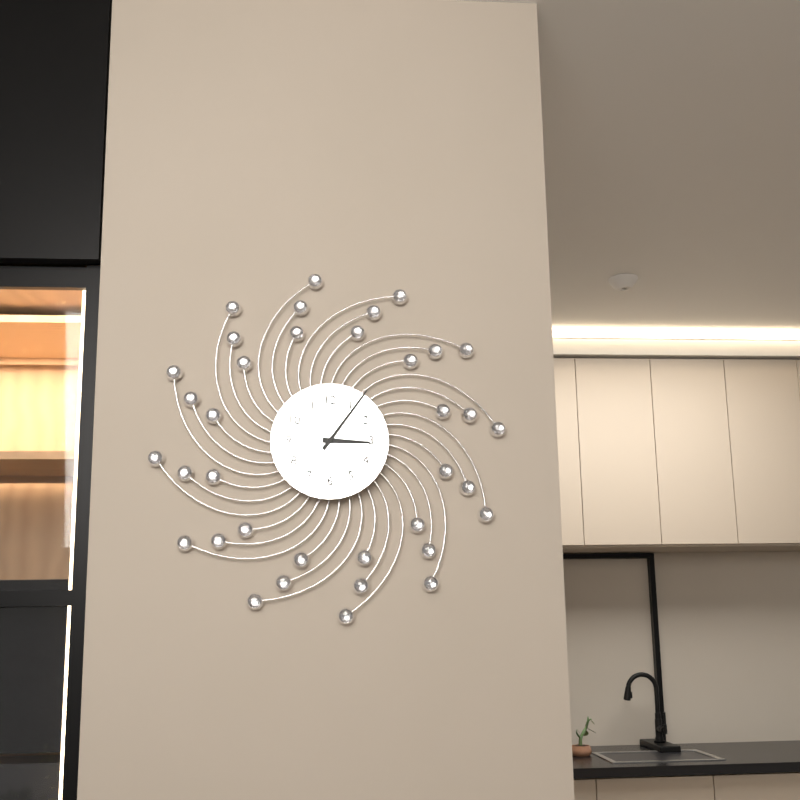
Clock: 3.06
